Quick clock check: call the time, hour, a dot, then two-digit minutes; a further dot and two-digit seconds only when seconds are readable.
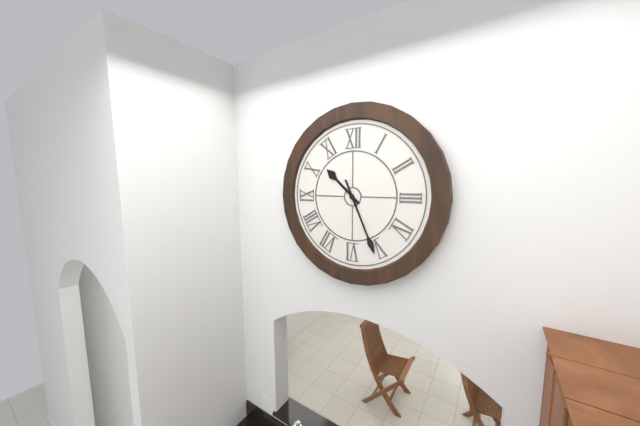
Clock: 10.26
